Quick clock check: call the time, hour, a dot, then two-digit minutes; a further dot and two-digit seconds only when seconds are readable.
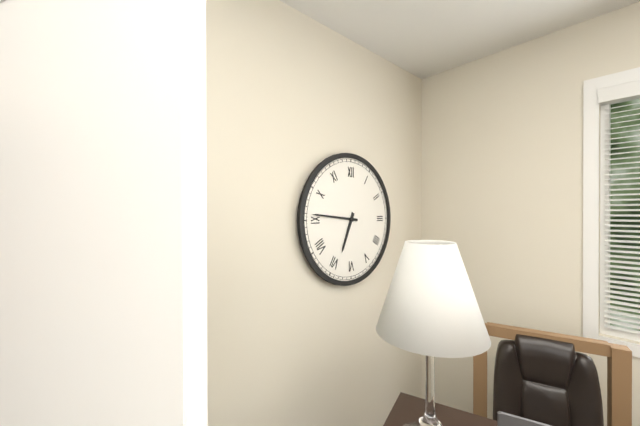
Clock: 6.46
